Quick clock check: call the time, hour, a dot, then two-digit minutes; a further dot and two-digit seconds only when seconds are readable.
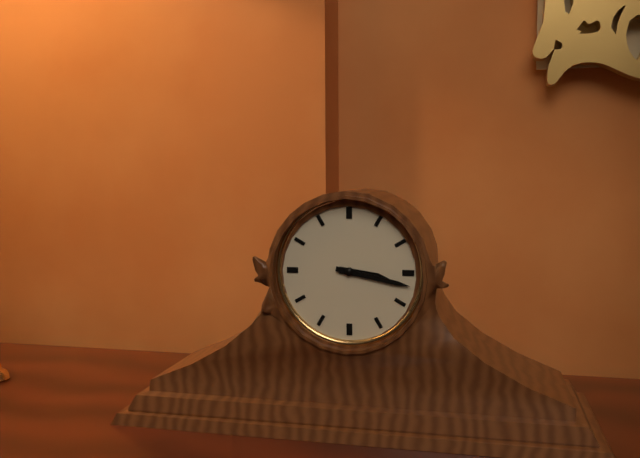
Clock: 3.17
